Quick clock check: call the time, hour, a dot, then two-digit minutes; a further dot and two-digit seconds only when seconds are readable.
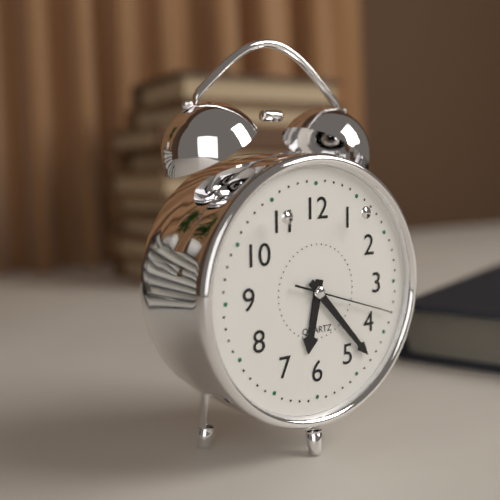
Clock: 6.23.18
